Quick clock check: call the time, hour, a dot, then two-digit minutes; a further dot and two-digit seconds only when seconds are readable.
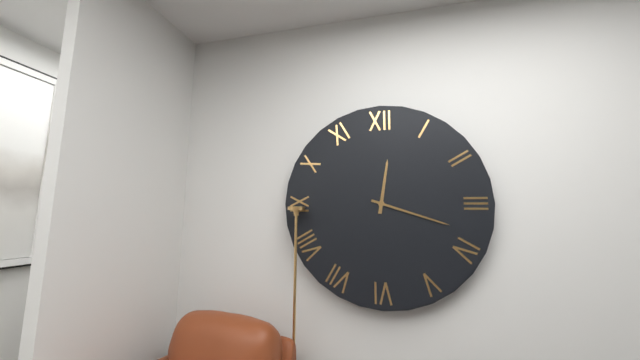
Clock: 12.18
